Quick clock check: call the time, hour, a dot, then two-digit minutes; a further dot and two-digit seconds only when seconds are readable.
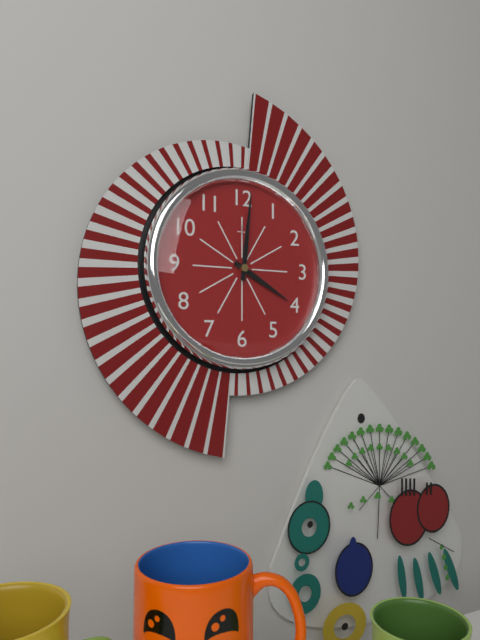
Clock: 4.01
